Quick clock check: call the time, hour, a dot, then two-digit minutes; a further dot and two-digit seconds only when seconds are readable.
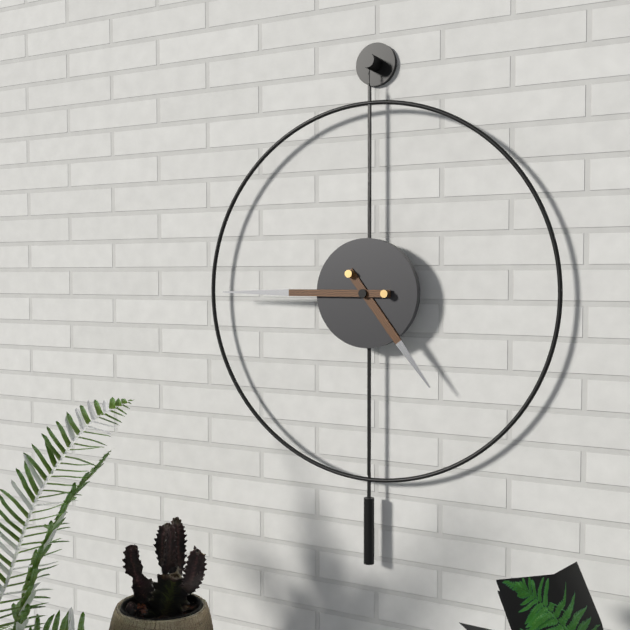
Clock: 4.45
